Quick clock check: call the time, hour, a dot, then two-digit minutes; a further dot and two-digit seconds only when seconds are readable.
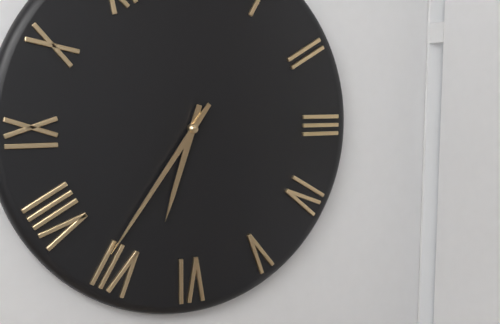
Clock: 6.36
